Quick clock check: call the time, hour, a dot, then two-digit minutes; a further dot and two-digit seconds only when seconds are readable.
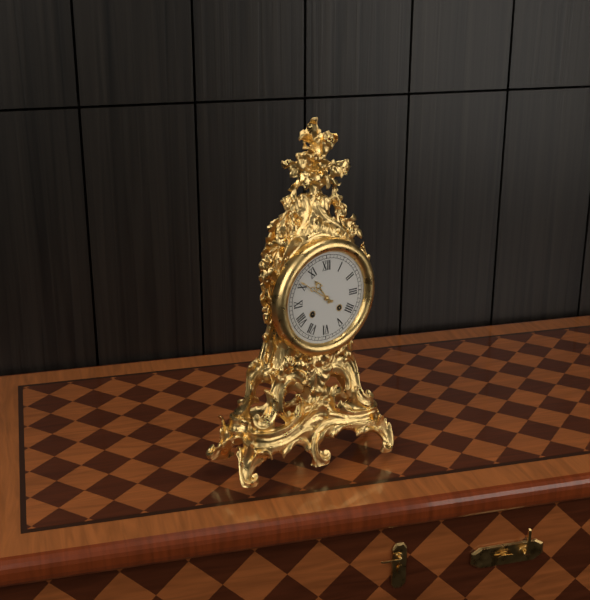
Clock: 10.51
